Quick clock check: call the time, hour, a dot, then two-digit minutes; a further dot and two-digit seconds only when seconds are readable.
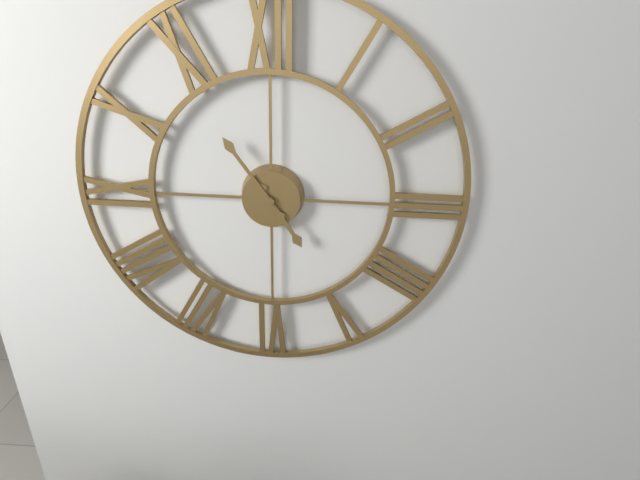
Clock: 4.54
